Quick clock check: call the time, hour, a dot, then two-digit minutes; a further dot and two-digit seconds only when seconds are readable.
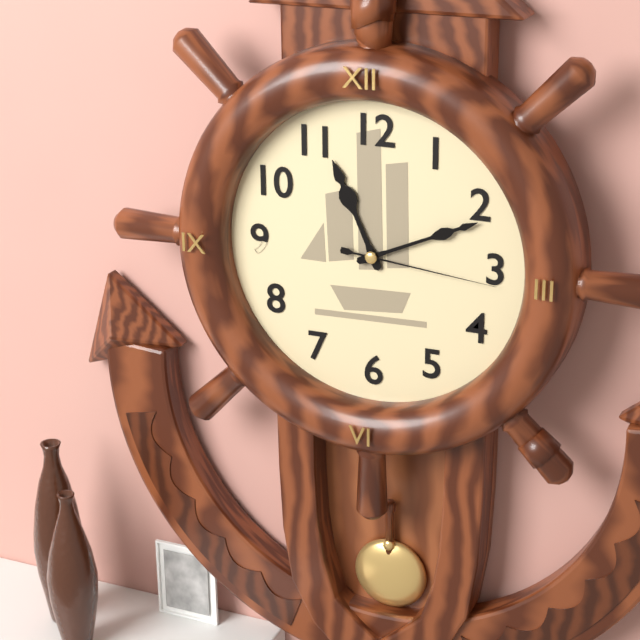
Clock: 11.11.16
